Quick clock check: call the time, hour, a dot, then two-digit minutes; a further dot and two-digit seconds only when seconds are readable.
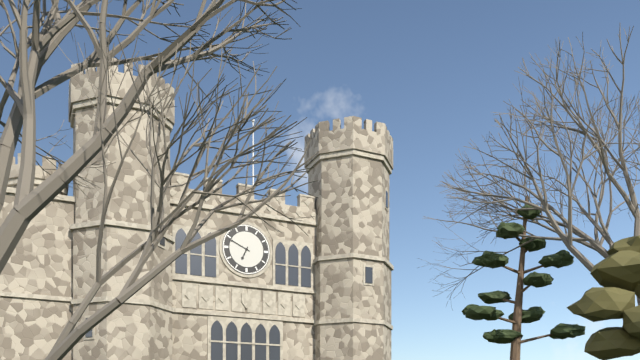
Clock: 6.49
